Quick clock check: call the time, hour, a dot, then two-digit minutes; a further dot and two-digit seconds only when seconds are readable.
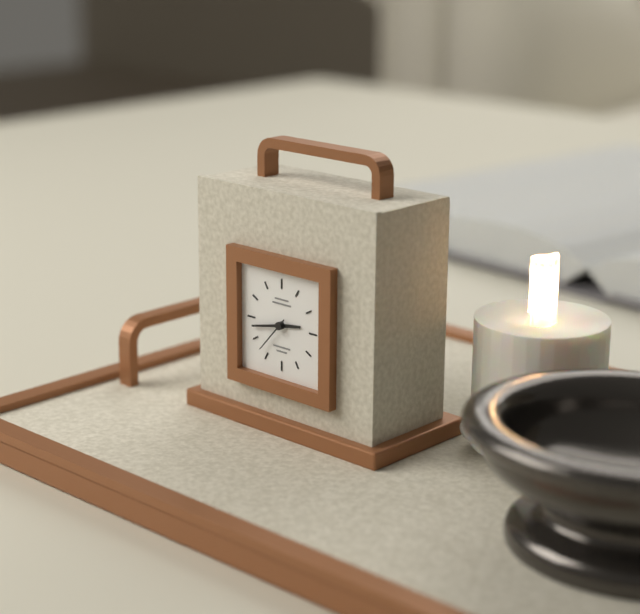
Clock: 2.43
